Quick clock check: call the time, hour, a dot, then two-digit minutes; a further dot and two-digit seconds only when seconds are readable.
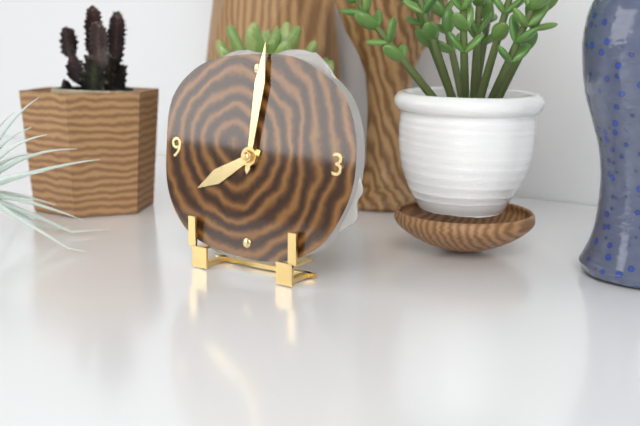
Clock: 8.01
